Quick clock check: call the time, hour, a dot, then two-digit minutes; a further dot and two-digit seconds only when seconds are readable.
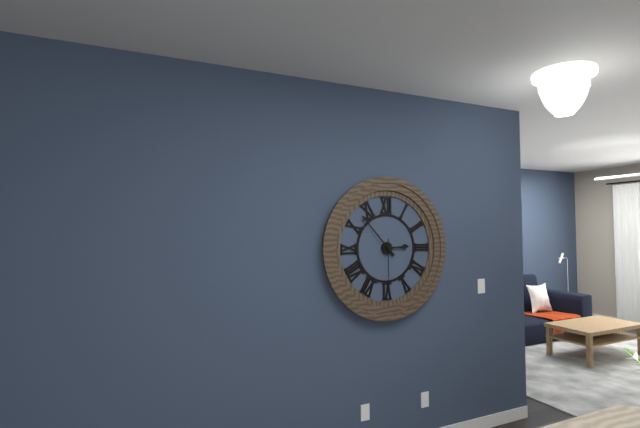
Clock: 2.53.30
